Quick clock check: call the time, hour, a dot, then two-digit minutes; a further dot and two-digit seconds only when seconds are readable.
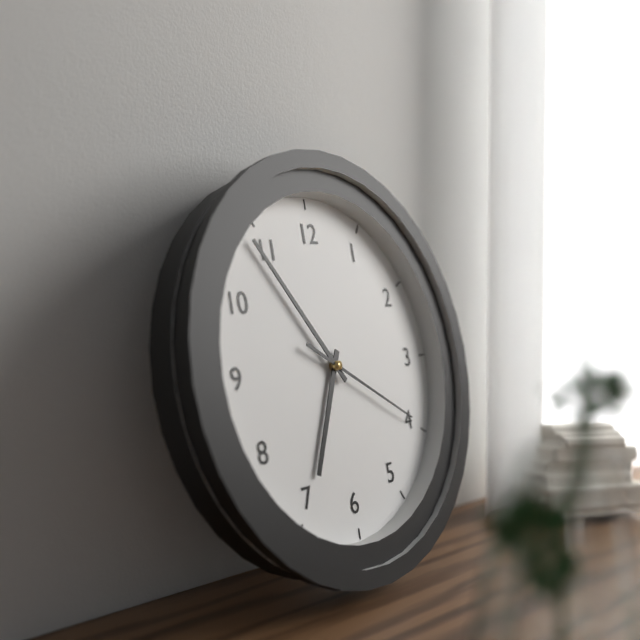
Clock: 6.54.20
